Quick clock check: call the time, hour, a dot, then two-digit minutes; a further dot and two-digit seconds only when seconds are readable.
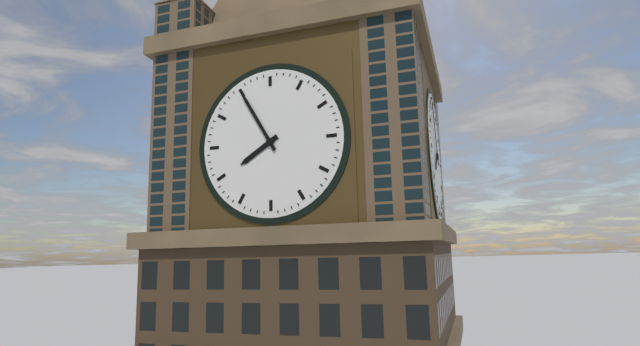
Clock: 7.55
